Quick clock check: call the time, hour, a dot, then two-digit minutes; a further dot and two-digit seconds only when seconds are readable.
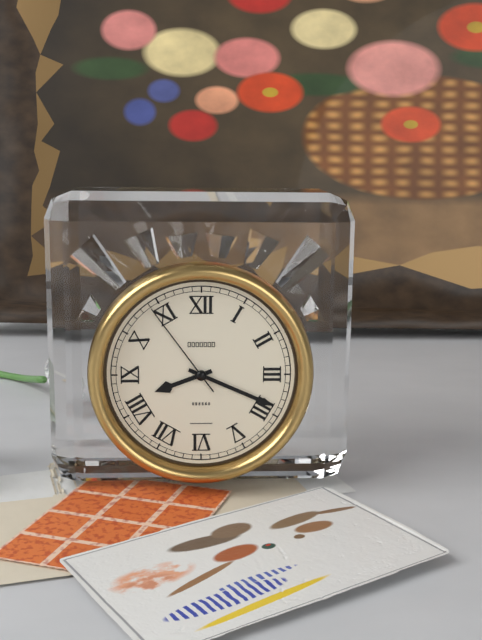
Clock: 8.19.54
